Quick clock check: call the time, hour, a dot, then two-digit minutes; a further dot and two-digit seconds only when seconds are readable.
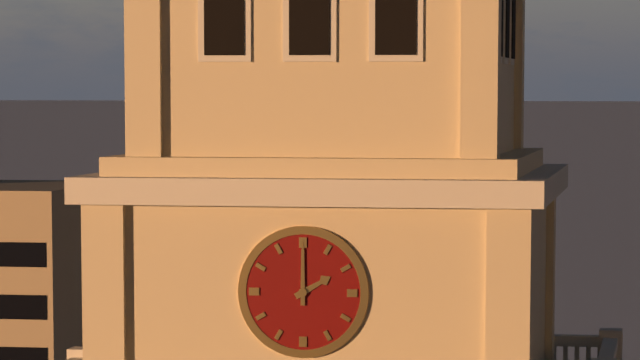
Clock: 2.00
